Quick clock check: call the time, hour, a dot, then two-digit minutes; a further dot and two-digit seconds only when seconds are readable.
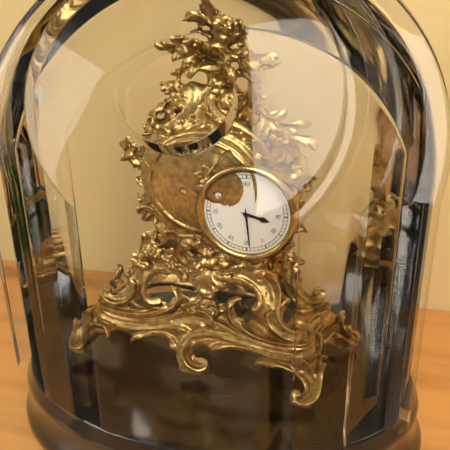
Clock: 3.29
